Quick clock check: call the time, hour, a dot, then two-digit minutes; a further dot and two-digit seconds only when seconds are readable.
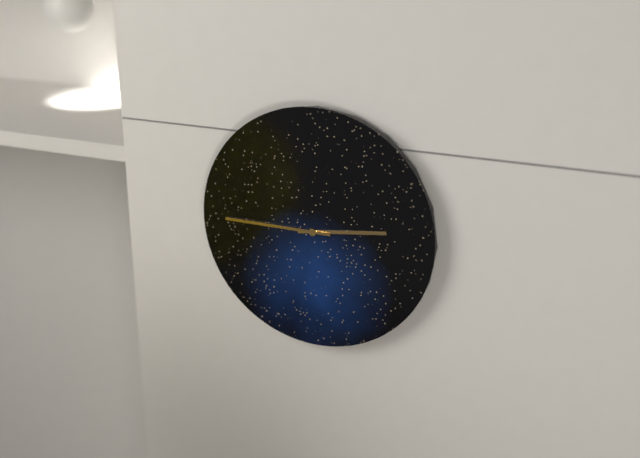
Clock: 2.45
